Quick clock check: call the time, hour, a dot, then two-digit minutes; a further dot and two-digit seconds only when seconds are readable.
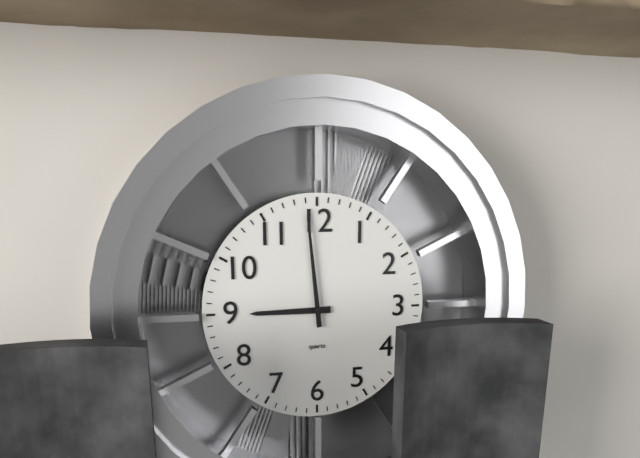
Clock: 8.59
